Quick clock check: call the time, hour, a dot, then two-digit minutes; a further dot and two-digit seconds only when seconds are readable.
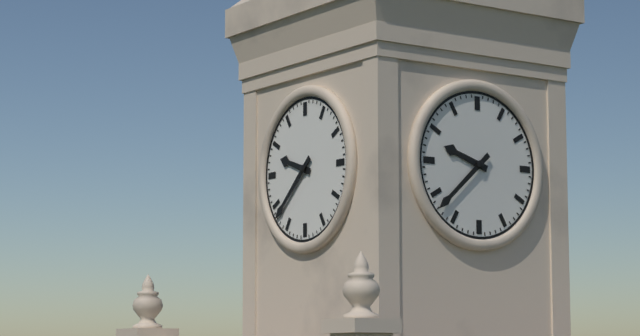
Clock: 9.38
